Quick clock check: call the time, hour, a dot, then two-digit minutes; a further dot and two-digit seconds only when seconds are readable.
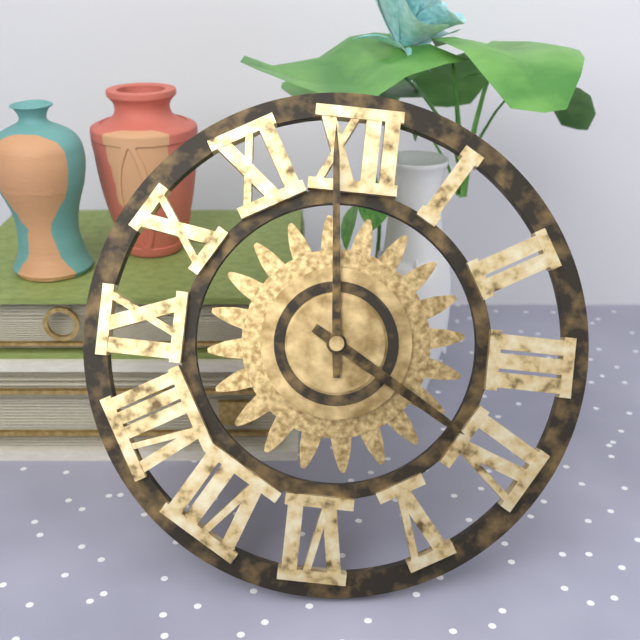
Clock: 3.59
